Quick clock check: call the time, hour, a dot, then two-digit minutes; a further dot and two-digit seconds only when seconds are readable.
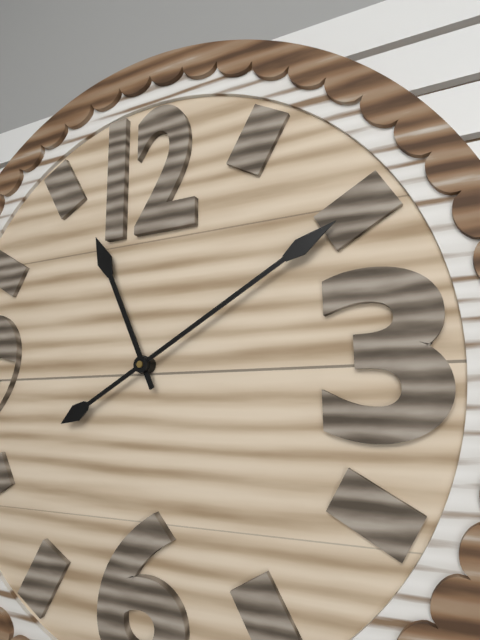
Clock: 11.10
